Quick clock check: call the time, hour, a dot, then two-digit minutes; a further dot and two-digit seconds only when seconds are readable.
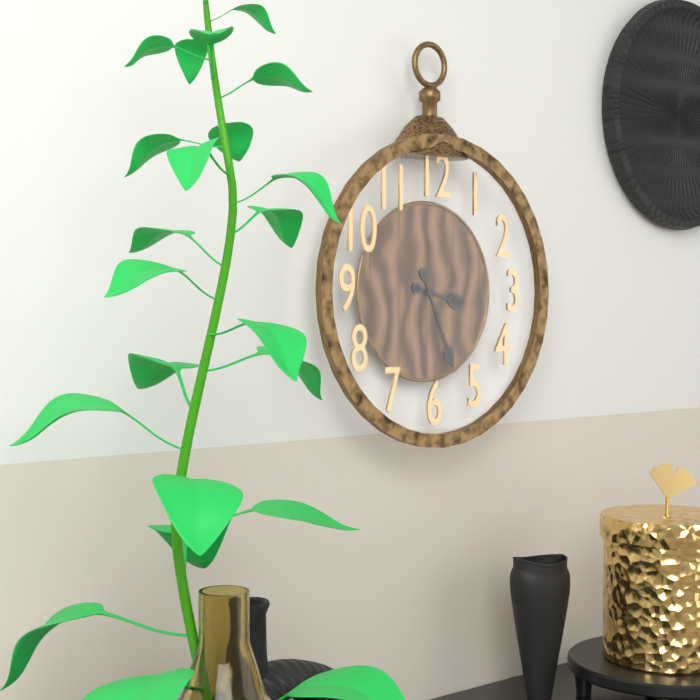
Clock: 3.26
